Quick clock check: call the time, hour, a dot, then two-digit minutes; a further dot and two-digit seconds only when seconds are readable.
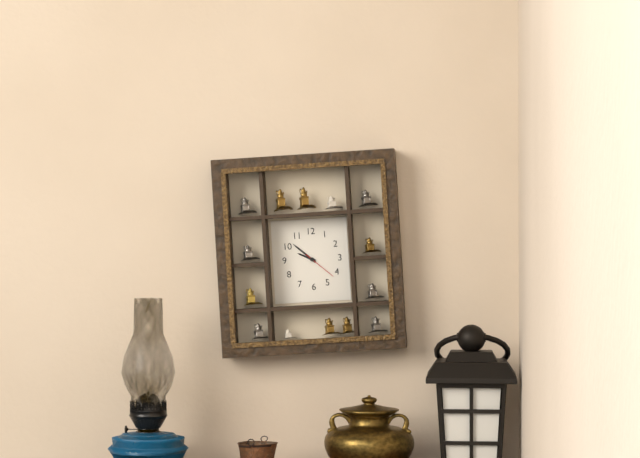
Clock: 9.52
